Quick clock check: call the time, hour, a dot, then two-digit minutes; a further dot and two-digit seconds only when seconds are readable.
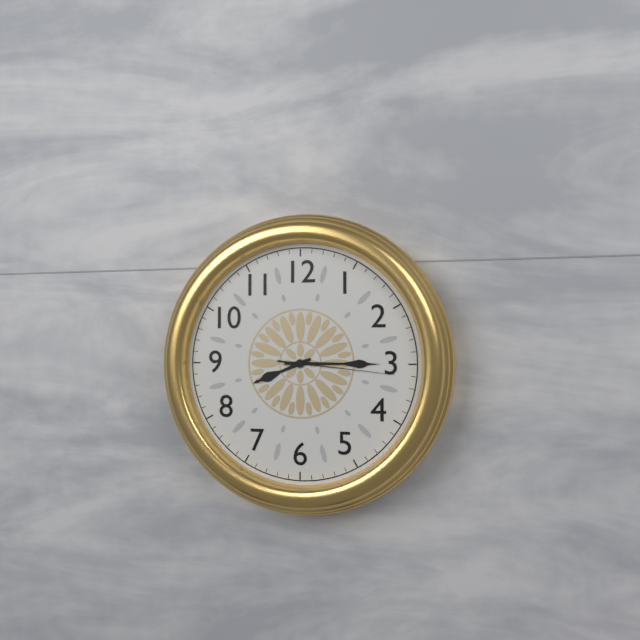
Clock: 8.15.16
